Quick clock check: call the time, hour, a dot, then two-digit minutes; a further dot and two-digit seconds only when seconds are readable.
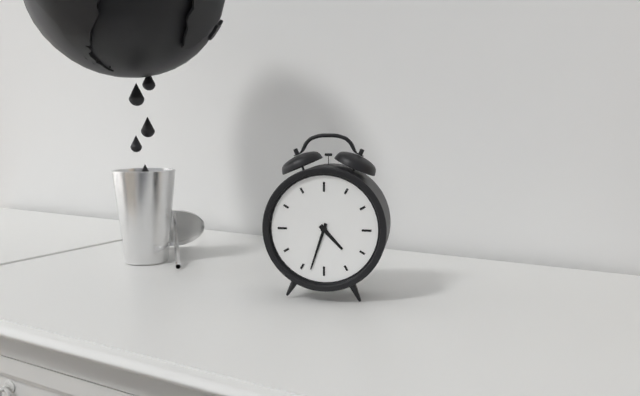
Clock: 4.33
